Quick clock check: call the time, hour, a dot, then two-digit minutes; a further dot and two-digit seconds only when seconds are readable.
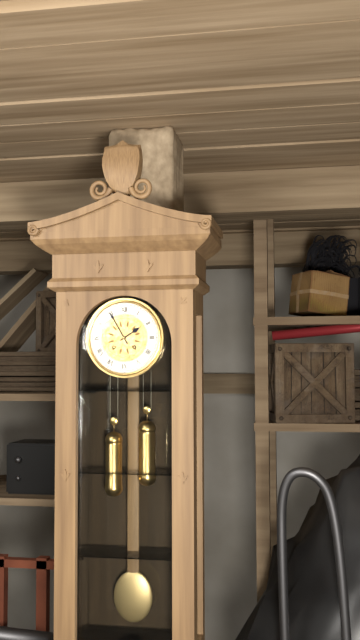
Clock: 1.55
